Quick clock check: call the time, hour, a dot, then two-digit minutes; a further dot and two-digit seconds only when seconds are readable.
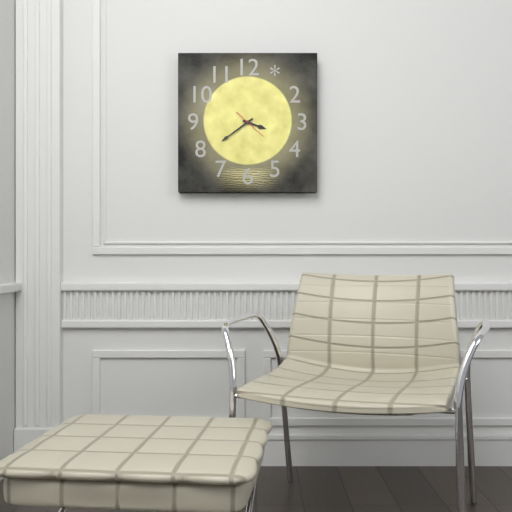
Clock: 3.39
